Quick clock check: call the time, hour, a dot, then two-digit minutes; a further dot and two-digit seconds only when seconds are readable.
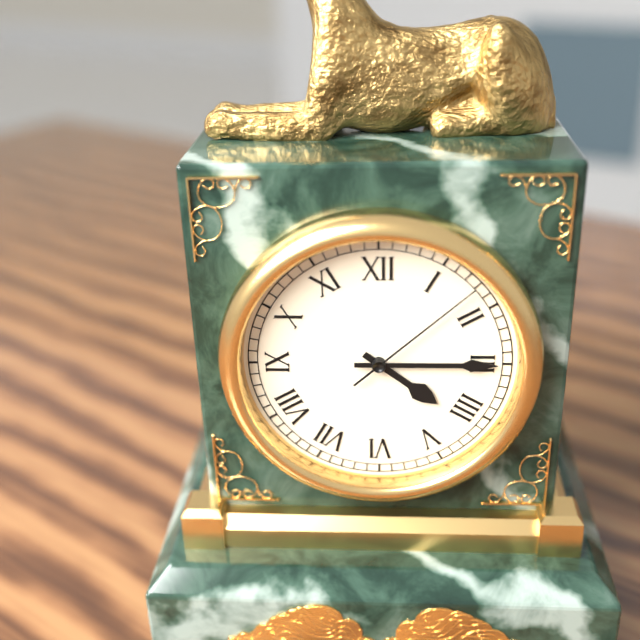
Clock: 4.15.08
